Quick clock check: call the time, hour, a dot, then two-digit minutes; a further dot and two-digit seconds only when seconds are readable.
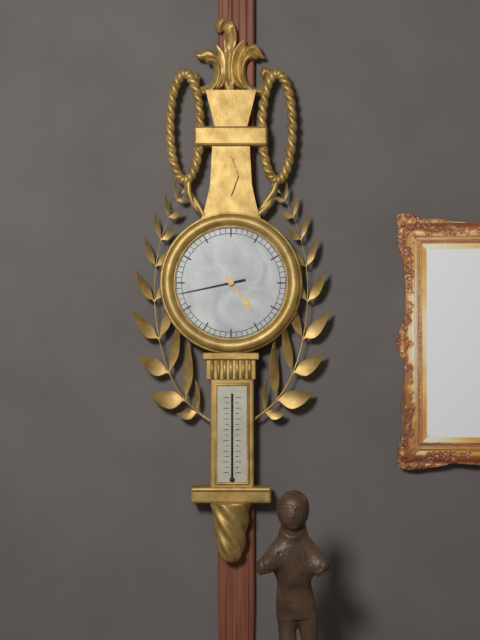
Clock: 4.43
